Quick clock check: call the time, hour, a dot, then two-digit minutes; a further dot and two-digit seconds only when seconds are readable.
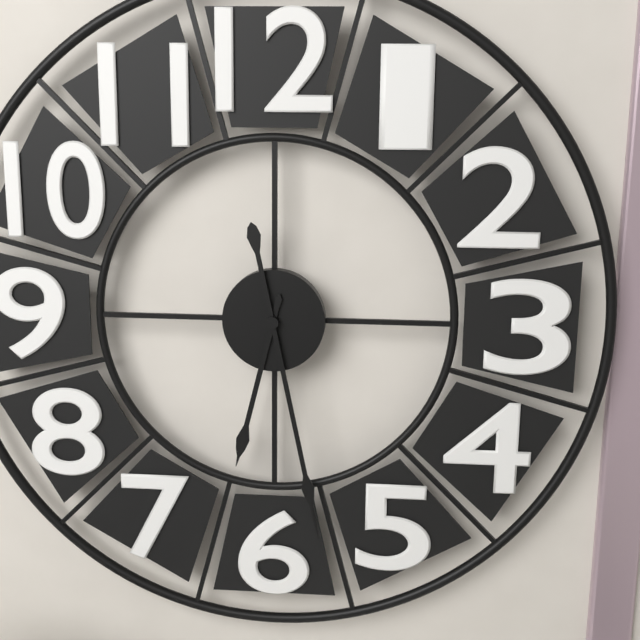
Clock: 6.28
